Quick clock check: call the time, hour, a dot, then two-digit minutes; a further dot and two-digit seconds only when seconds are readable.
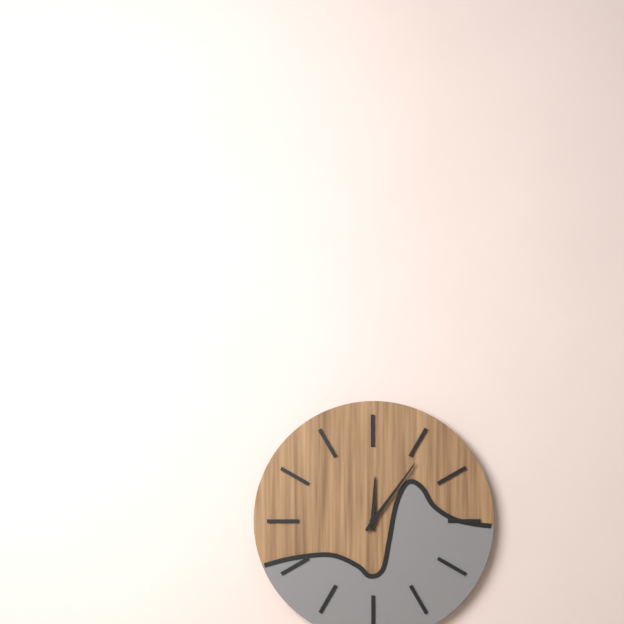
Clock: 12.06
